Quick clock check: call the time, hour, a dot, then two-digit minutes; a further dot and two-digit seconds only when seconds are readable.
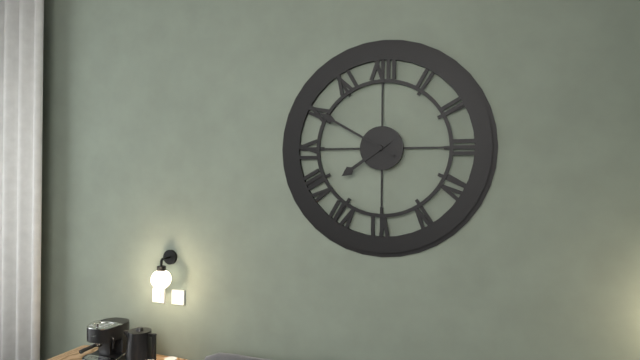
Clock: 7.50
